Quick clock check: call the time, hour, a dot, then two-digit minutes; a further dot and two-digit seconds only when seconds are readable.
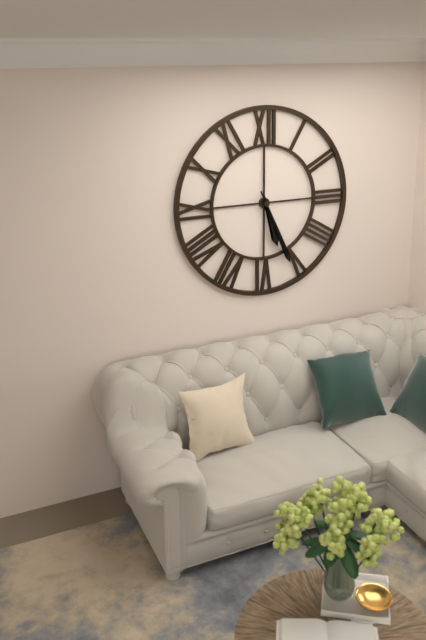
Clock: 5.26
